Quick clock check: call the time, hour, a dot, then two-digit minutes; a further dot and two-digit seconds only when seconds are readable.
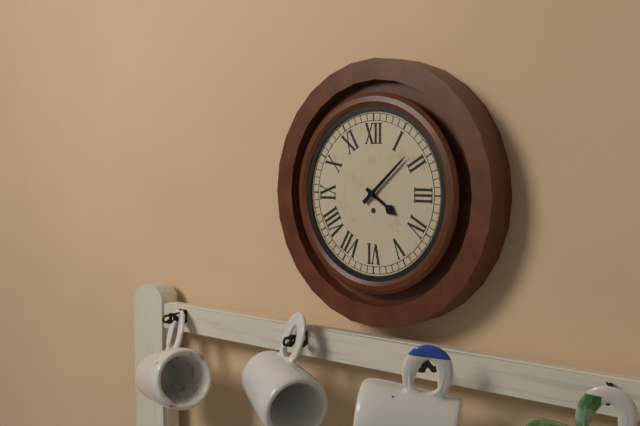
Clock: 4.08
